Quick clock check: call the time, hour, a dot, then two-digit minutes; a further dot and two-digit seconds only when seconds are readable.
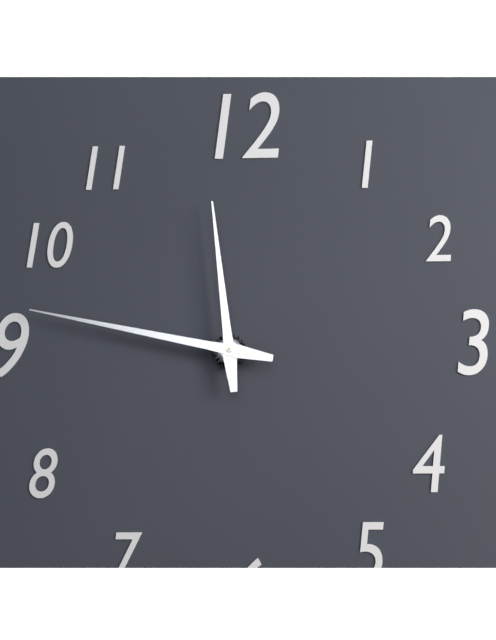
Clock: 11.47
